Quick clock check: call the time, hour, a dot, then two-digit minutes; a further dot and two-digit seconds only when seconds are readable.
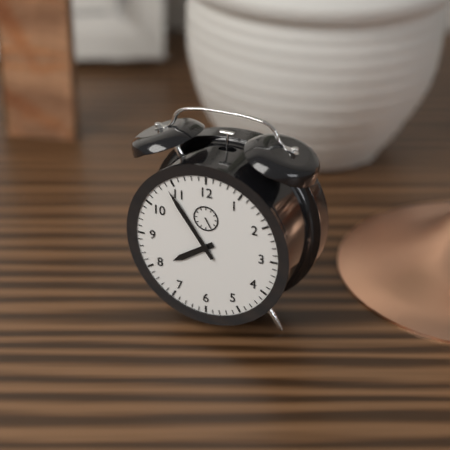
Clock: 7.54
